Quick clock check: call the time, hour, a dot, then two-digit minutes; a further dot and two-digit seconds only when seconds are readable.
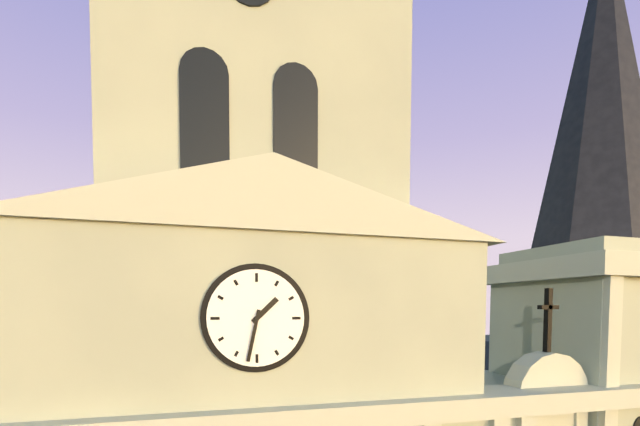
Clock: 1.32
